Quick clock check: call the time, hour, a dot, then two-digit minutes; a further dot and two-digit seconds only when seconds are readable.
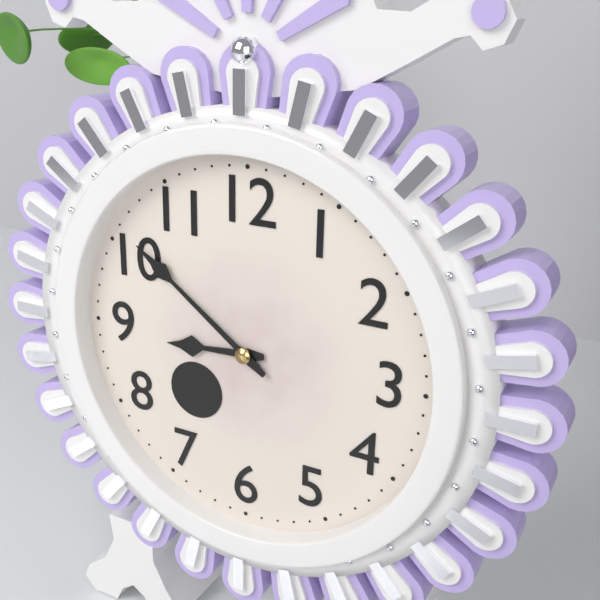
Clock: 8.51
